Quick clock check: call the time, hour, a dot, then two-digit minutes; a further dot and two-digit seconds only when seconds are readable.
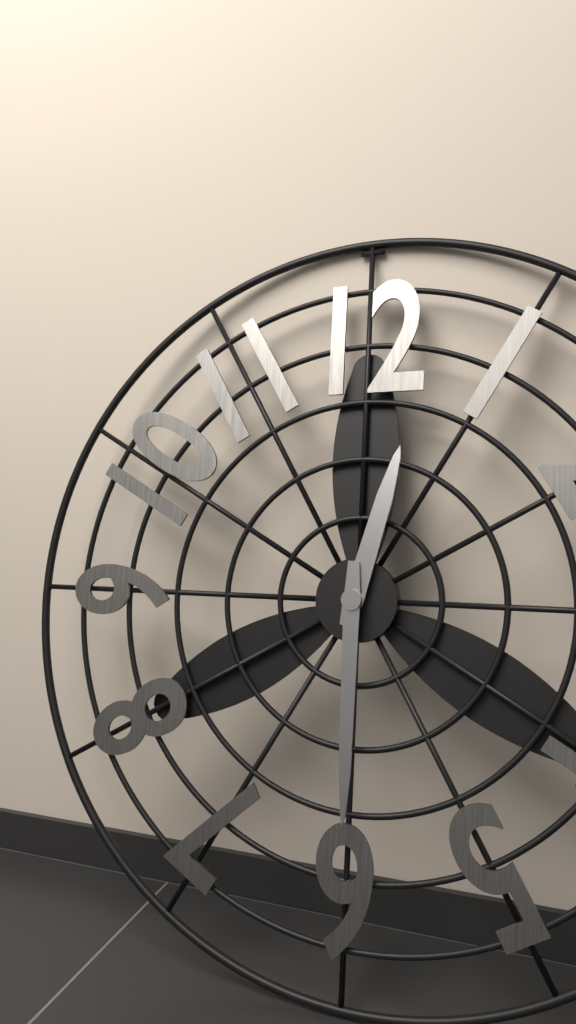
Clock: 12.30
